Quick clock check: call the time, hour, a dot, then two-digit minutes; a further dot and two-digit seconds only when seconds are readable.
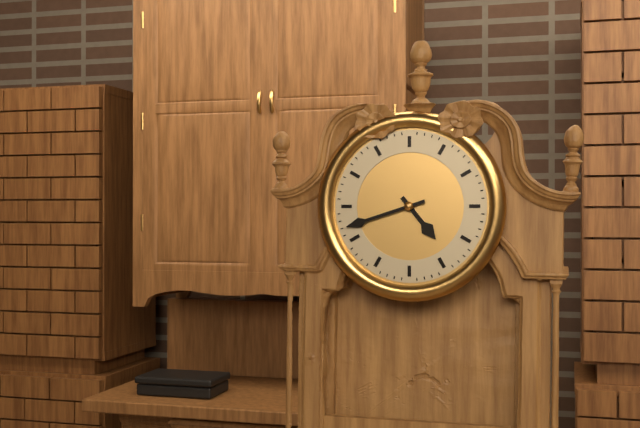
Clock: 4.42
